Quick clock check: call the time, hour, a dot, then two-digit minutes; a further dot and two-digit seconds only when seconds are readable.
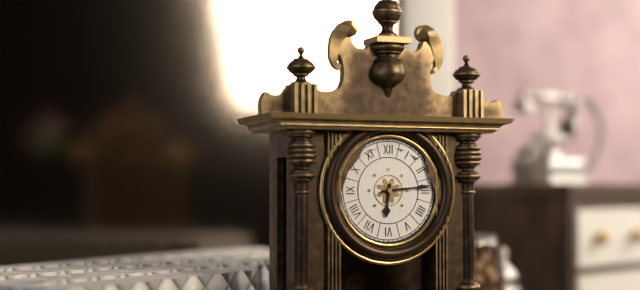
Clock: 6.14
